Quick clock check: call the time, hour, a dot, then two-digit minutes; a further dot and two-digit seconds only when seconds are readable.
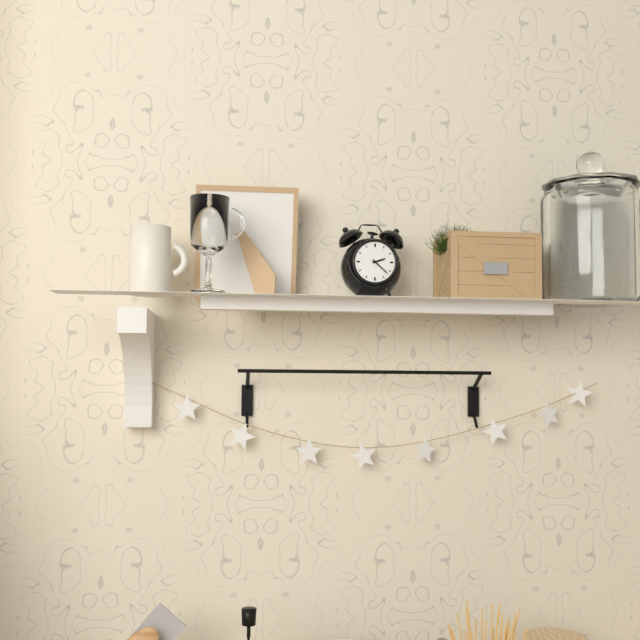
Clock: 2.22
